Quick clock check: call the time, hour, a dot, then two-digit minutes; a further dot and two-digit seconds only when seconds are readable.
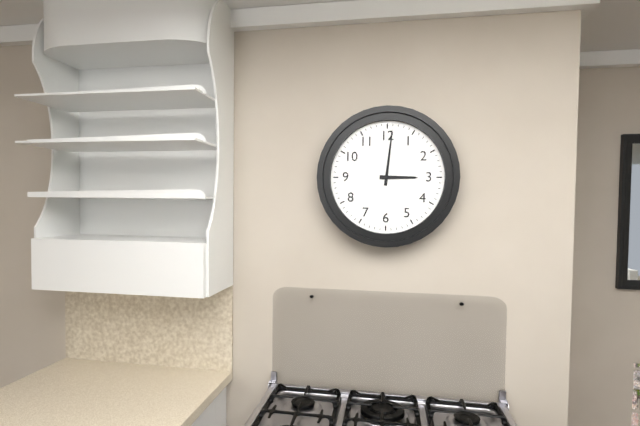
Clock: 3.01
